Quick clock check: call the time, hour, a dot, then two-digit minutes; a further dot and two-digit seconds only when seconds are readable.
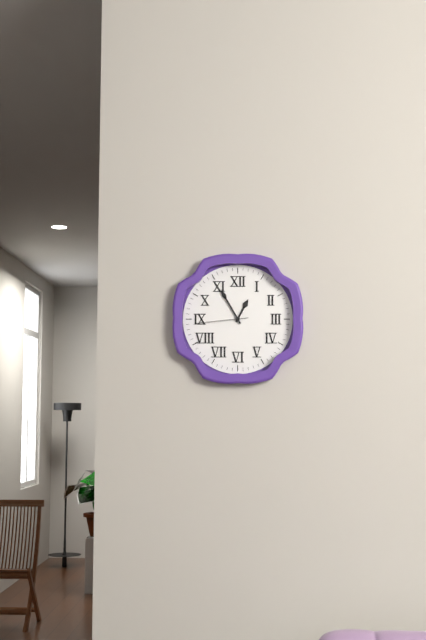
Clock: 12.55.44
